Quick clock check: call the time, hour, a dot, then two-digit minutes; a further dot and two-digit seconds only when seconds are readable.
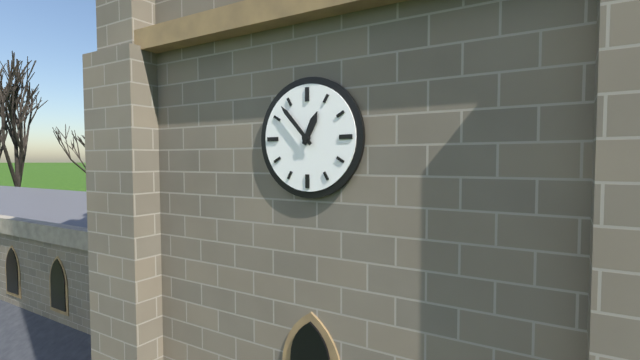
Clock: 12.53
